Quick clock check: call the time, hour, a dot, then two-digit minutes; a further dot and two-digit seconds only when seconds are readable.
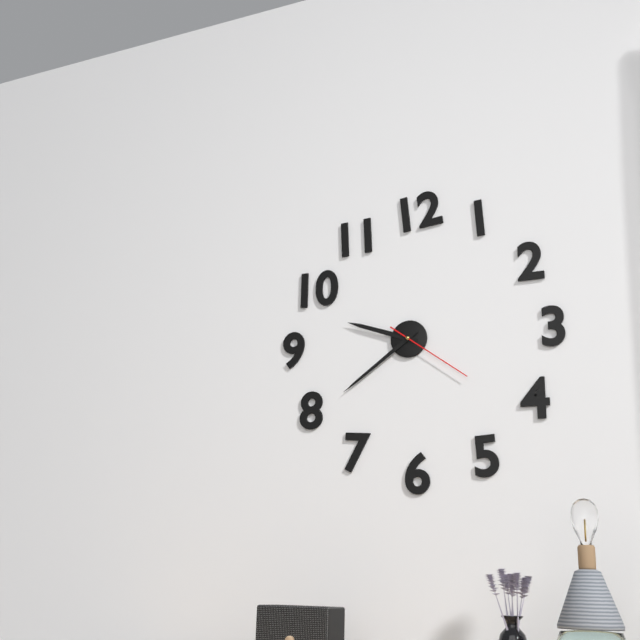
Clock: 9.39.21
